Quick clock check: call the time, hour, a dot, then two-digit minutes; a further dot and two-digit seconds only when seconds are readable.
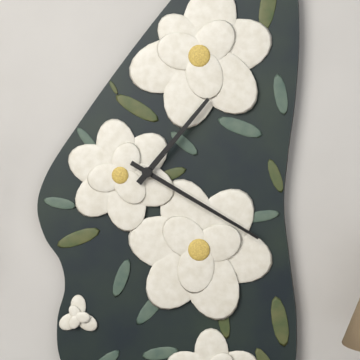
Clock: 1.20
